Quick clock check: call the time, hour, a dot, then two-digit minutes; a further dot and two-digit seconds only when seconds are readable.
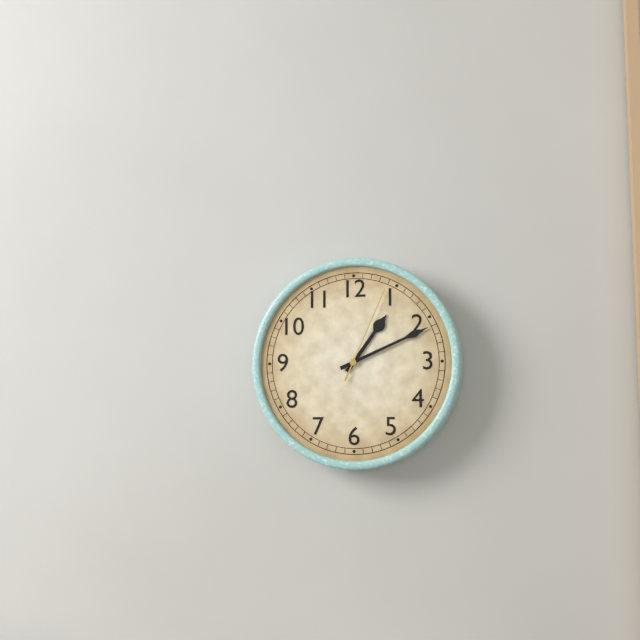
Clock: 1.11.04
